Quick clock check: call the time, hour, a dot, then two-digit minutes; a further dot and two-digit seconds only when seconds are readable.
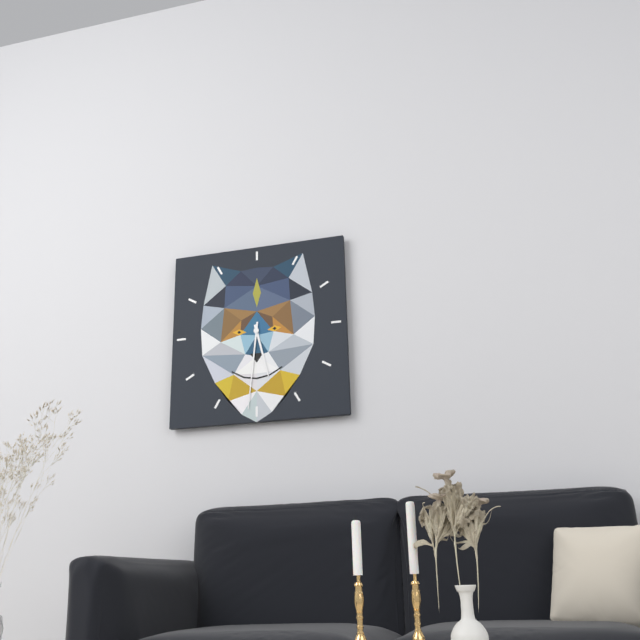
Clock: 5.31
